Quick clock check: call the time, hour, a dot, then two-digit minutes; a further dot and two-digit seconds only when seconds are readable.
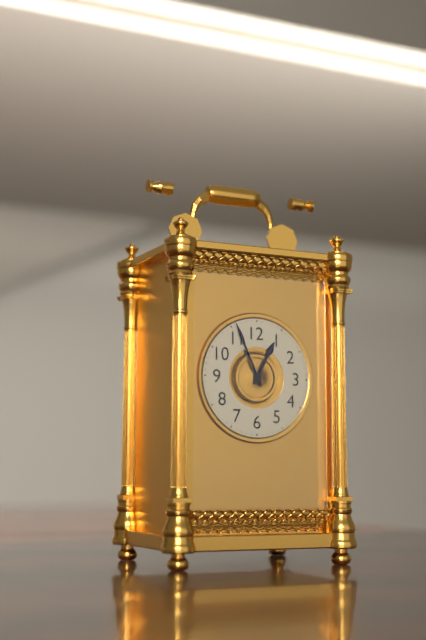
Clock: 12.56
